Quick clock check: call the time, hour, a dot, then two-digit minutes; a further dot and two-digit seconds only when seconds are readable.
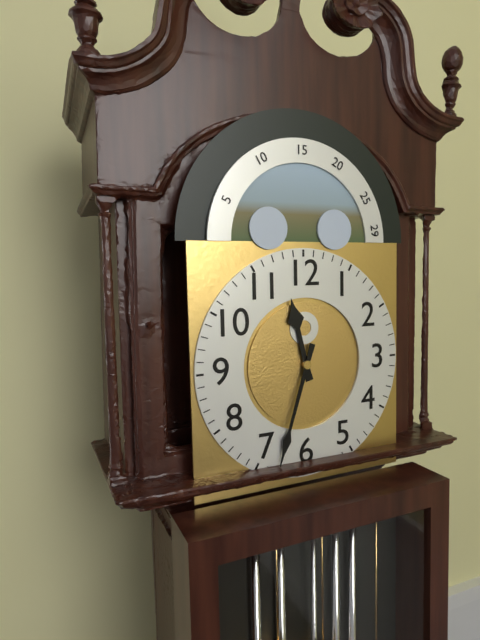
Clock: 11.33
